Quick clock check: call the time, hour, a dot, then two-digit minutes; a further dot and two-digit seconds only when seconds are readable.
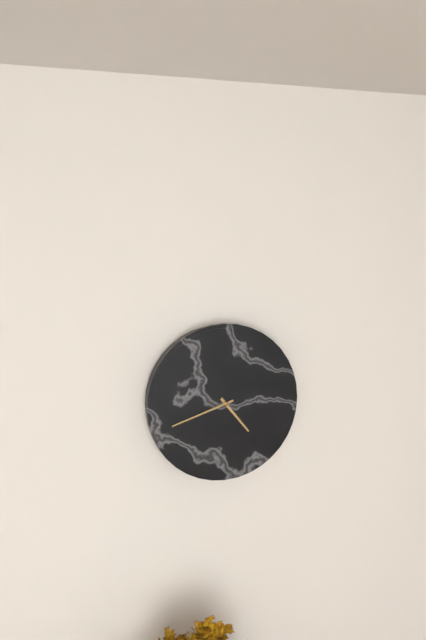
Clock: 4.42
